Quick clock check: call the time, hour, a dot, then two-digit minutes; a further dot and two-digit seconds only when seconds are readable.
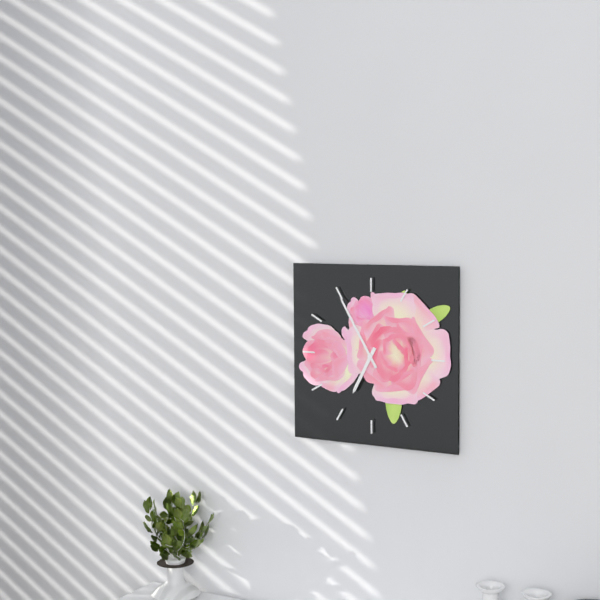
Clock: 6.55
